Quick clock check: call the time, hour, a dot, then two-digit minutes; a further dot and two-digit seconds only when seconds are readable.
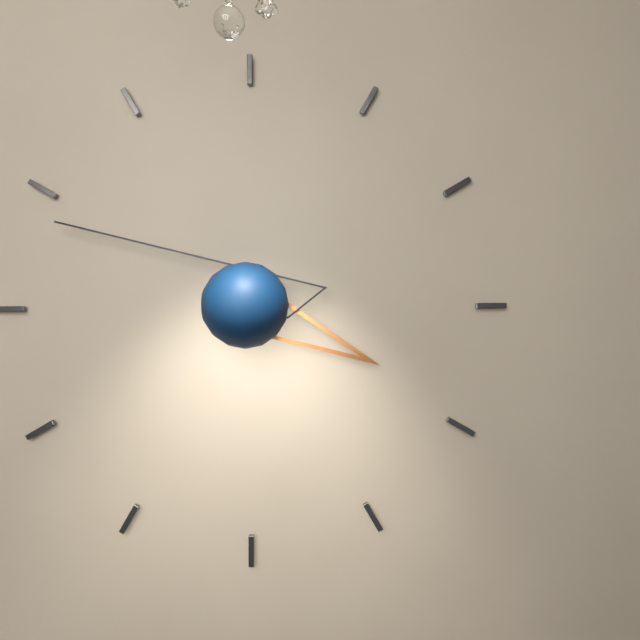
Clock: 3.49
